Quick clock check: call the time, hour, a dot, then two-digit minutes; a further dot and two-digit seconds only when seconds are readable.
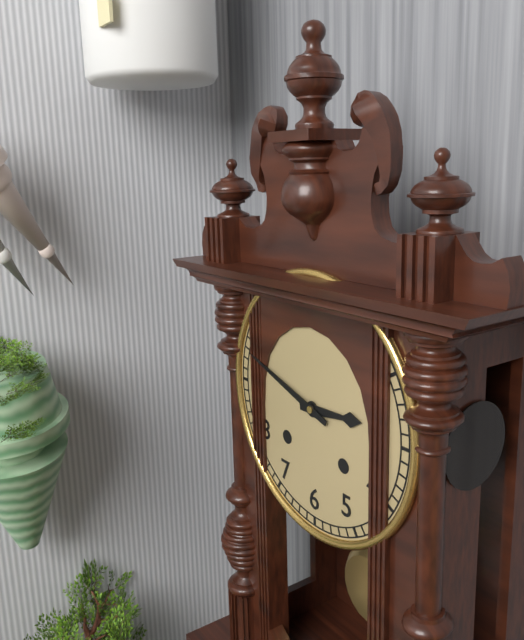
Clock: 2.48
